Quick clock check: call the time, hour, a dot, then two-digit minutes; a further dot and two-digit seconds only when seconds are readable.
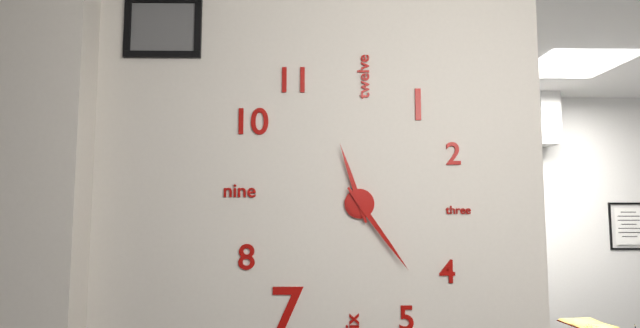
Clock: 11.24
